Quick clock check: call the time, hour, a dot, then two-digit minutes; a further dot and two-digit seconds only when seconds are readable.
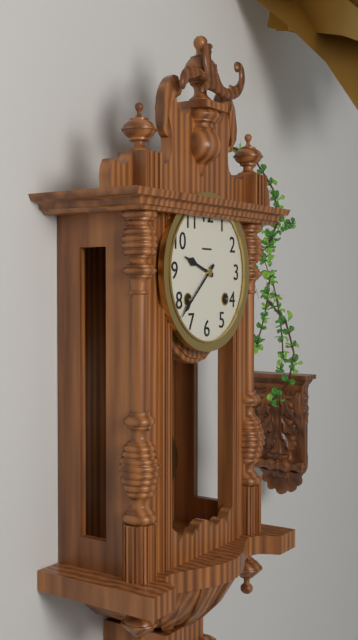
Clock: 9.38
